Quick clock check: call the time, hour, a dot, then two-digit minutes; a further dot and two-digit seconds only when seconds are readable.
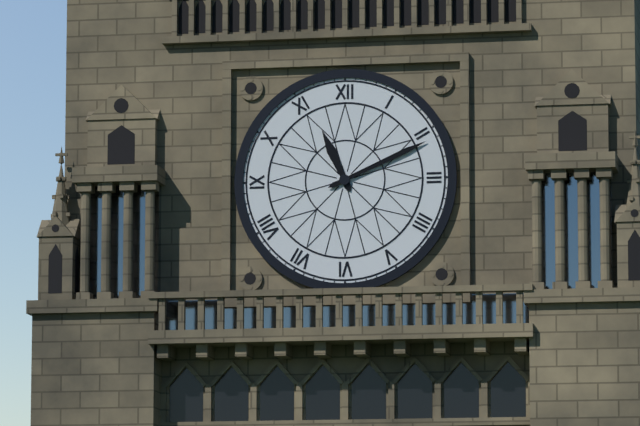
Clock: 11.11
